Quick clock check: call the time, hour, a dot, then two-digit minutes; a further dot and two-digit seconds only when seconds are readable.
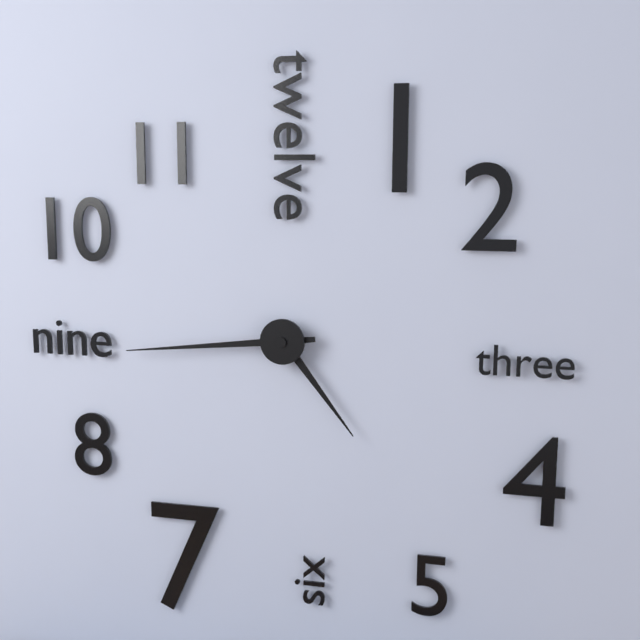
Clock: 4.44
